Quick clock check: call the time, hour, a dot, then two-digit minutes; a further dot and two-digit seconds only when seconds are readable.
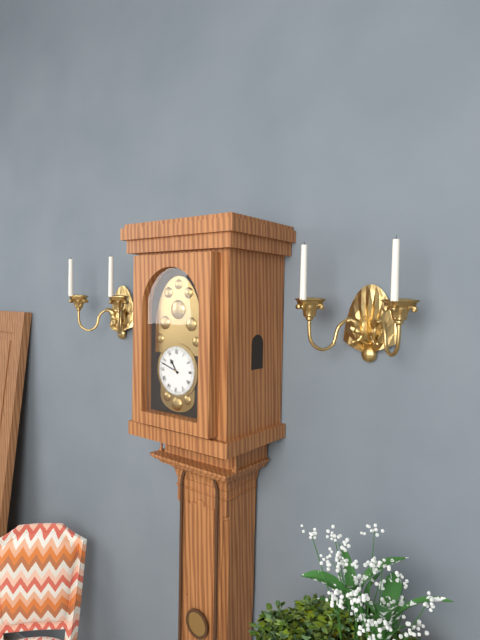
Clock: 10.48
